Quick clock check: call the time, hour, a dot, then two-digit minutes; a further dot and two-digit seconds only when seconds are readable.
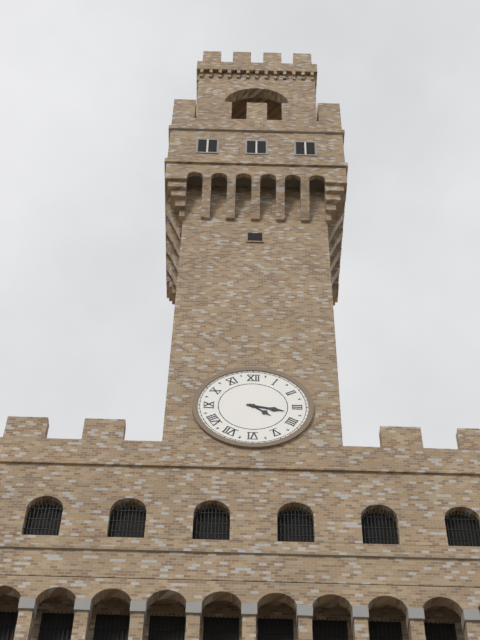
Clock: 4.17
